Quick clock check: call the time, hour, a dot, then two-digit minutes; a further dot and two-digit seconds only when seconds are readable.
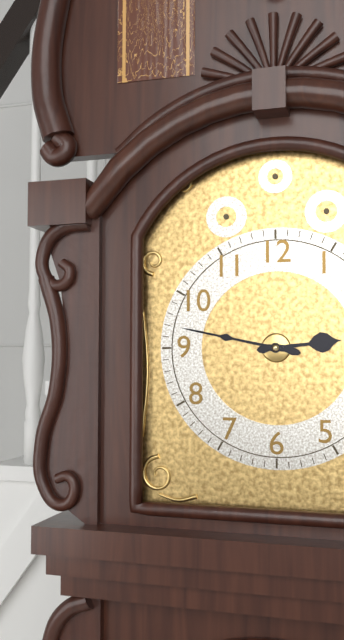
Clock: 2.47
